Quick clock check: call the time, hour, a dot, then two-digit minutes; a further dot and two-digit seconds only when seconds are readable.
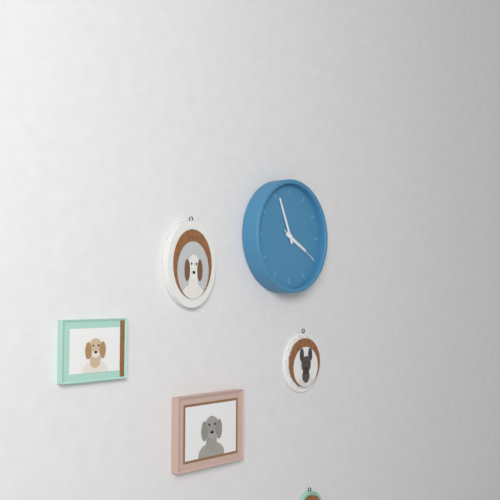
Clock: 3.56
